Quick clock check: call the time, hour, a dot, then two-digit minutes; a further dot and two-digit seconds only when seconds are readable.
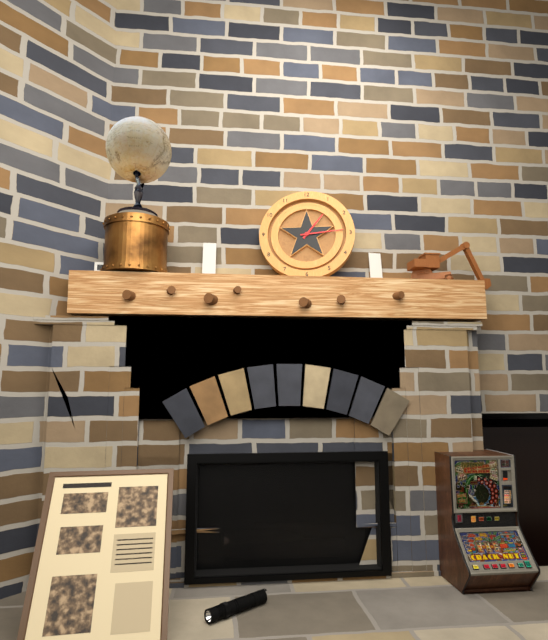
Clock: 1.14
